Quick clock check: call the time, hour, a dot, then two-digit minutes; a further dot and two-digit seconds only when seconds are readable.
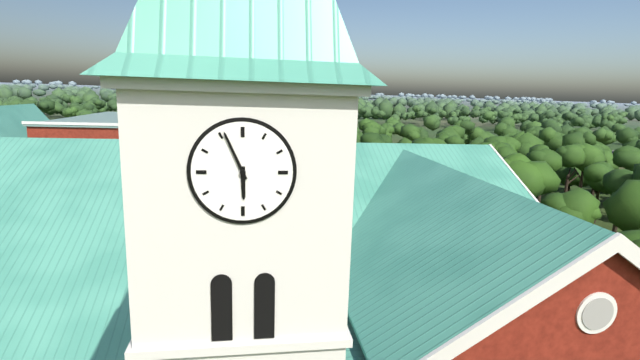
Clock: 5.56
